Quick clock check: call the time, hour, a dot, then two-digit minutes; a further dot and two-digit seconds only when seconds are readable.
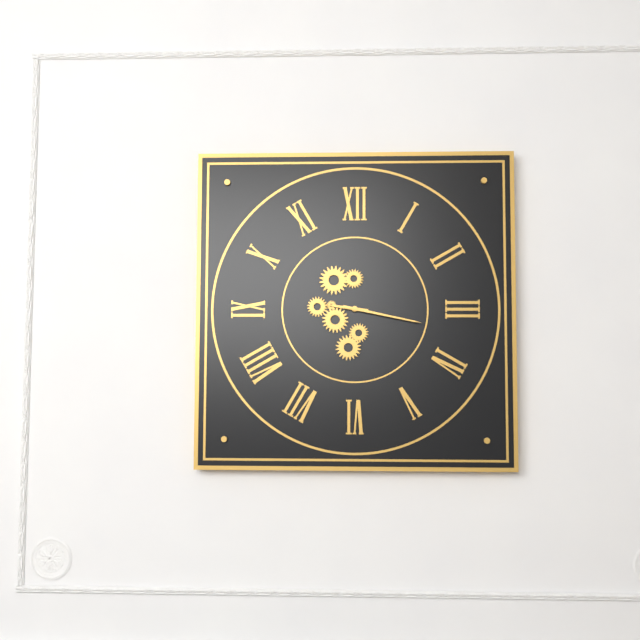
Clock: 9.17
